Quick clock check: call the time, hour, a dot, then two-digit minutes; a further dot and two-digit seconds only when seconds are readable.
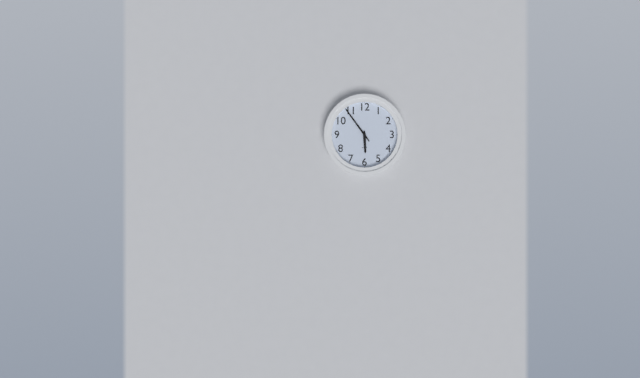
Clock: 5.54
